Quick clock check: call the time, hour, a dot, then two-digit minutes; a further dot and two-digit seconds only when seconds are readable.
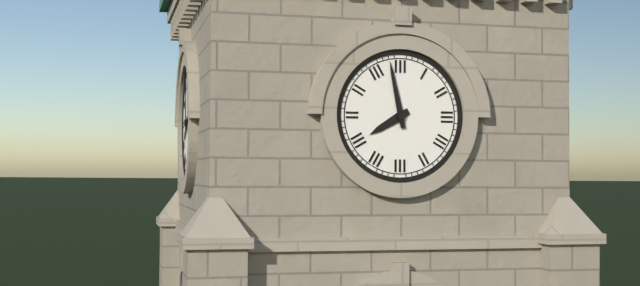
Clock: 7.58
